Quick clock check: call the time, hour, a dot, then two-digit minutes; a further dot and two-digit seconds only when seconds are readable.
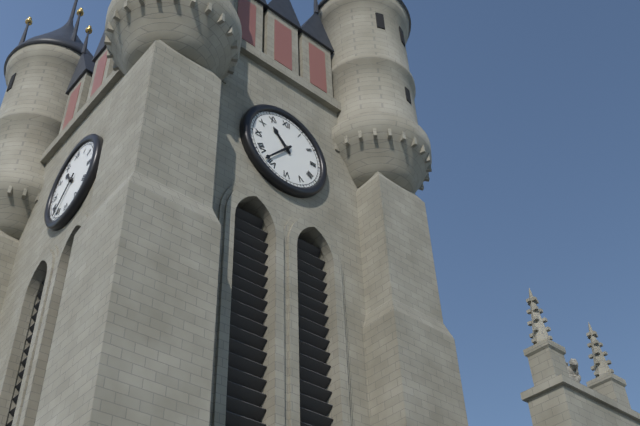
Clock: 10.37
